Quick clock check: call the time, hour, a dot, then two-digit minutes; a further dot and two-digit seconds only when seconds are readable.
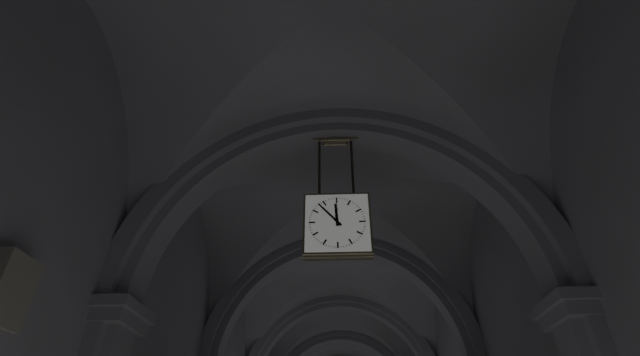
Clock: 11.53
